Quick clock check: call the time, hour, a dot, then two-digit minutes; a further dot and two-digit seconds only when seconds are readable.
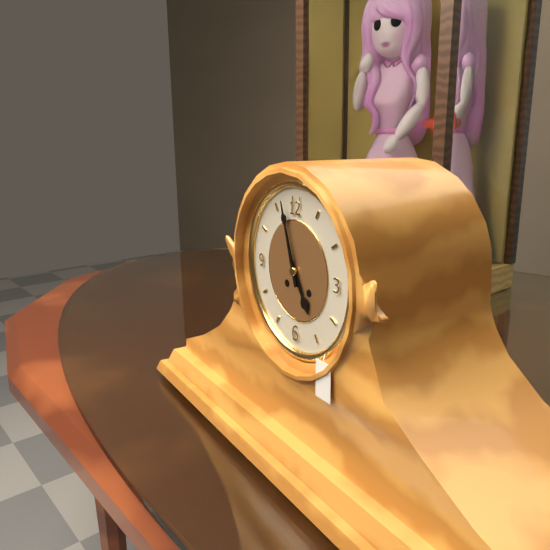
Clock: 4.57
